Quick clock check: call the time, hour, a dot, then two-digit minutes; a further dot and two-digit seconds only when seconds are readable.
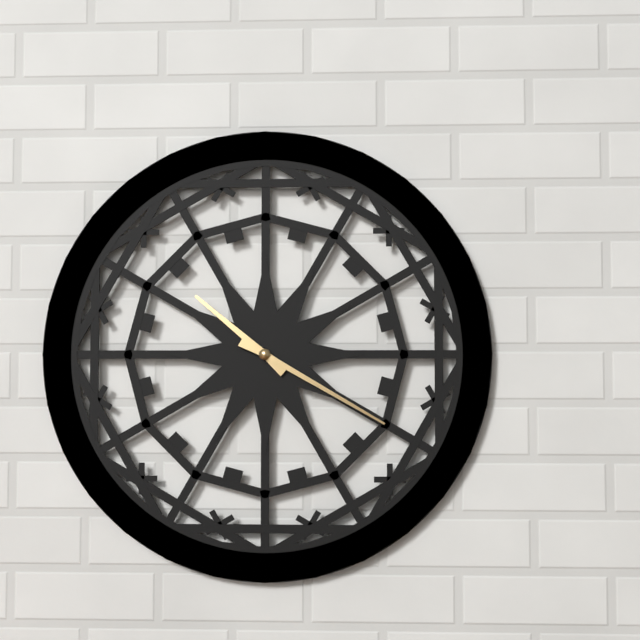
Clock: 10.20
